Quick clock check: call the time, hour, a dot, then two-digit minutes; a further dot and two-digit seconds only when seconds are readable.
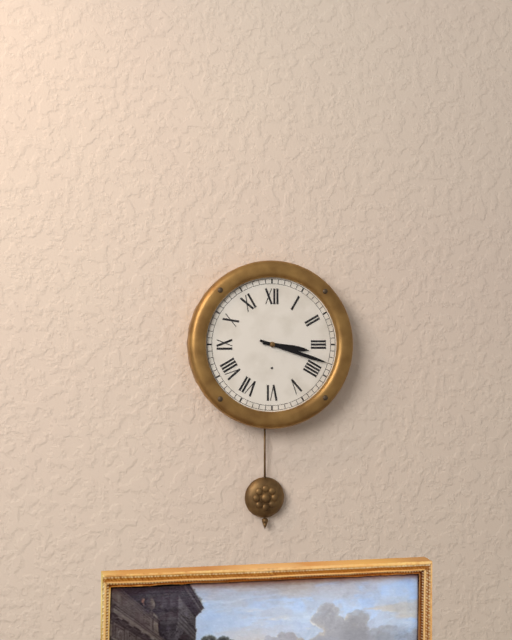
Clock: 3.18
